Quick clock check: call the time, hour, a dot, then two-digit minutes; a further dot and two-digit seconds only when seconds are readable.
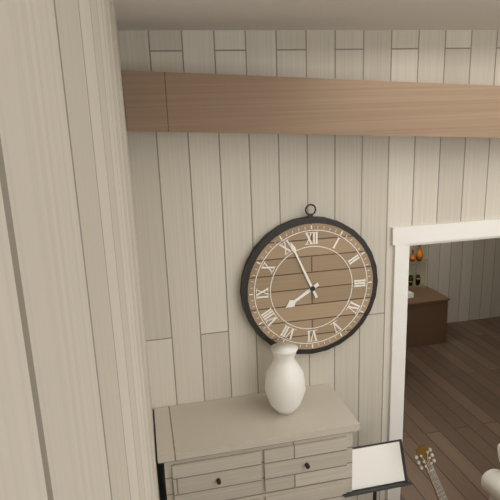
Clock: 7.56
